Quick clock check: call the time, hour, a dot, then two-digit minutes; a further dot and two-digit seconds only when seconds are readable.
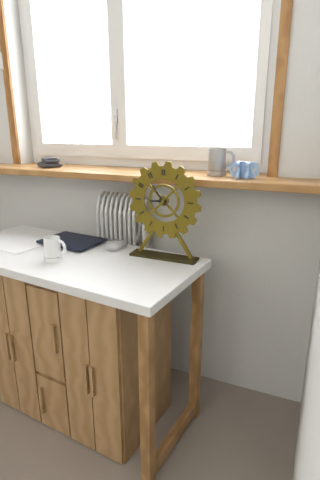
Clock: 8.54
